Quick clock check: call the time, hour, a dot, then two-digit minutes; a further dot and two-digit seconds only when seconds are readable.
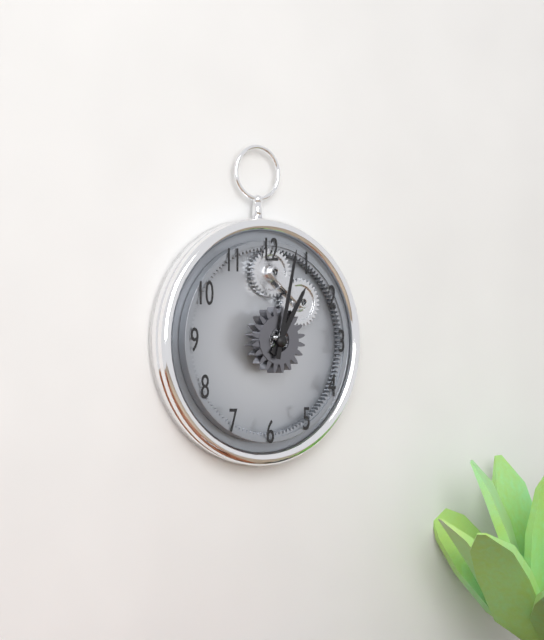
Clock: 1.02
